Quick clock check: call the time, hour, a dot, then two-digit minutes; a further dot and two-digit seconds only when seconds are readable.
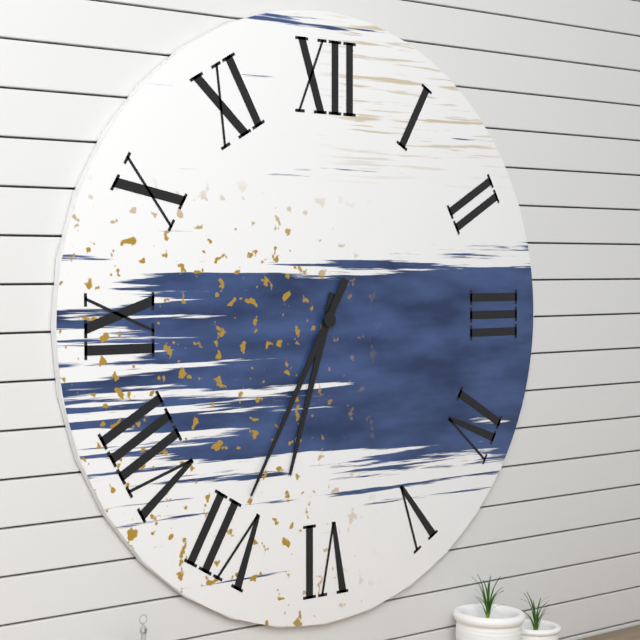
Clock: 6.35
